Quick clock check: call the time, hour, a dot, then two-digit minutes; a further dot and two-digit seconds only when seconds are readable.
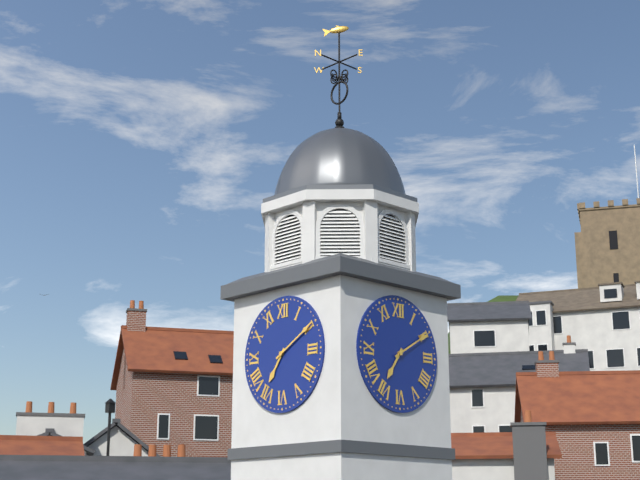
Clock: 7.10
